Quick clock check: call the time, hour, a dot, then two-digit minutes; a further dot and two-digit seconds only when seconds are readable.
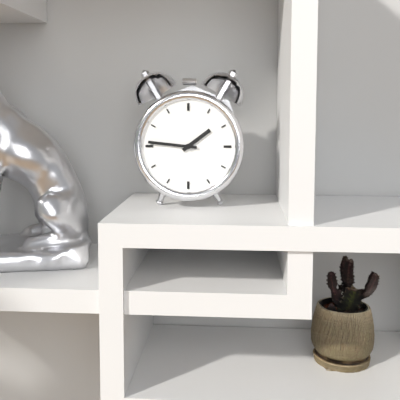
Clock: 1.46
